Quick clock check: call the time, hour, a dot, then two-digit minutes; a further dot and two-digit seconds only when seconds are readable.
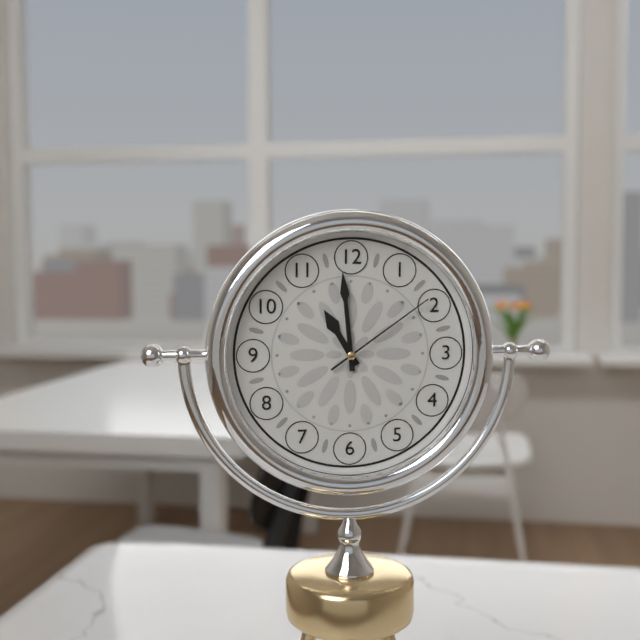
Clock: 10.59.09
